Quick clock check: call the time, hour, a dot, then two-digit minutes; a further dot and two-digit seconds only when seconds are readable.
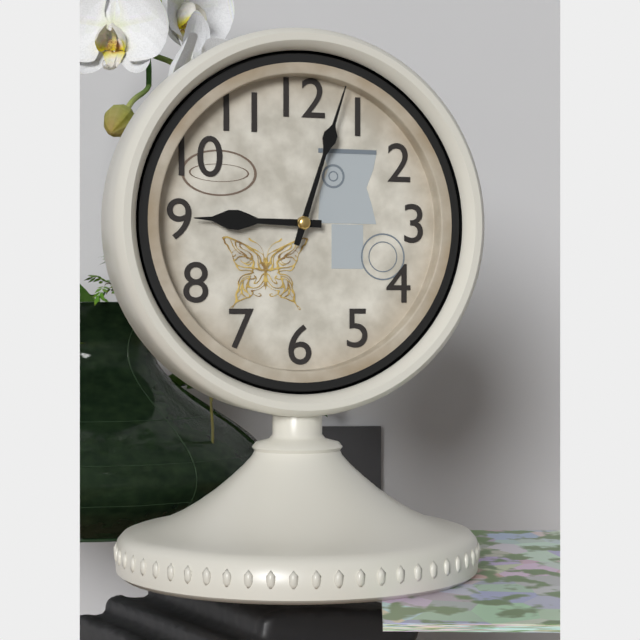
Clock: 9.03
